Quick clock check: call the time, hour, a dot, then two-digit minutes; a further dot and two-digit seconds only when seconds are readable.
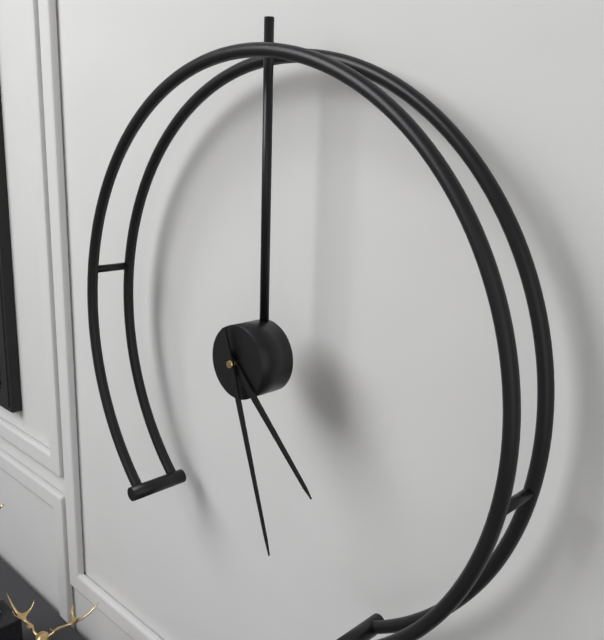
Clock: 4.27
